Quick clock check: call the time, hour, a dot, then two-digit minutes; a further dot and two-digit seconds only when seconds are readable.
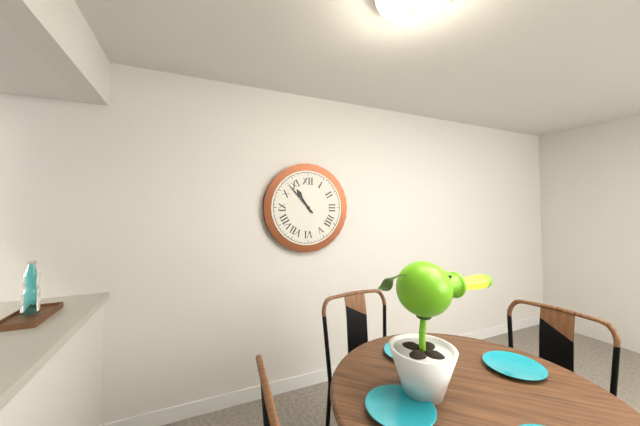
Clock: 10.53
